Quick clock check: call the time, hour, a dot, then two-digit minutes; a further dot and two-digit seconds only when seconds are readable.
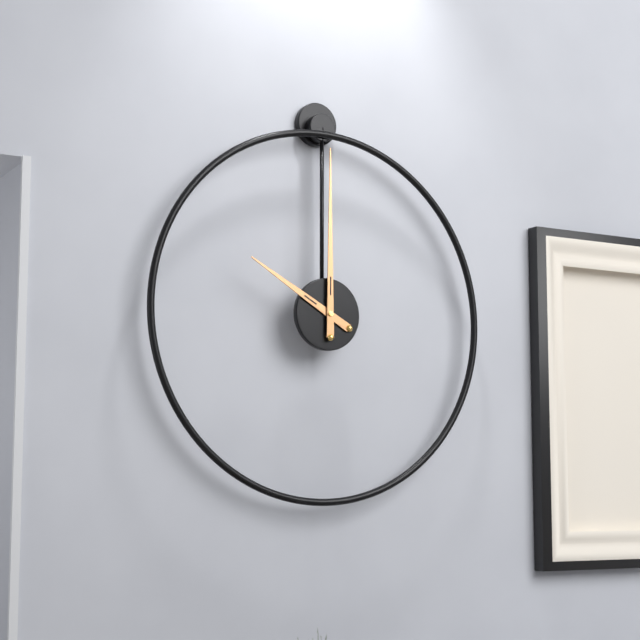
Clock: 10.00
